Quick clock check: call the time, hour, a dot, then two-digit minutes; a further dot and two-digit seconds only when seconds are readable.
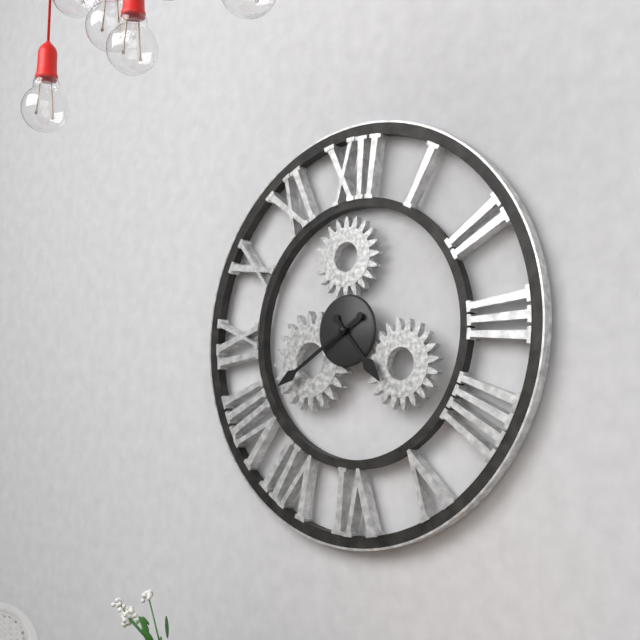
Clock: 4.40
